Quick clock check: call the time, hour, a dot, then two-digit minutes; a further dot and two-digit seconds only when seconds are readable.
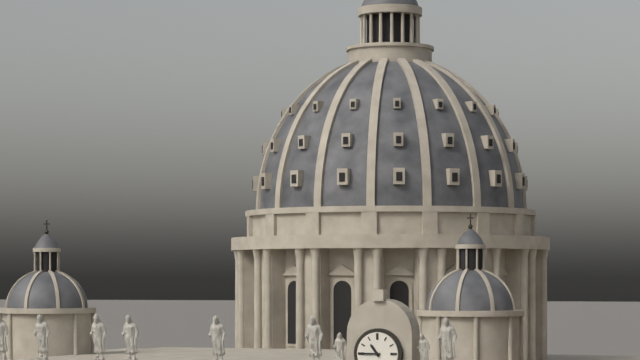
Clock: 10.45
